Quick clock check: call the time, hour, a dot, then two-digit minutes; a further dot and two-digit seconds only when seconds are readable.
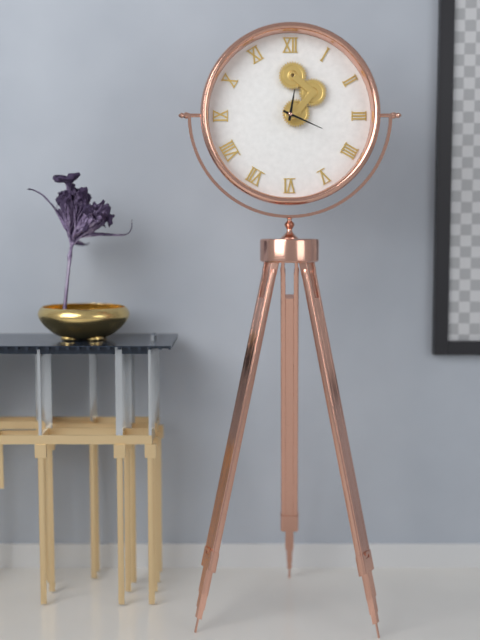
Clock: 12.19
